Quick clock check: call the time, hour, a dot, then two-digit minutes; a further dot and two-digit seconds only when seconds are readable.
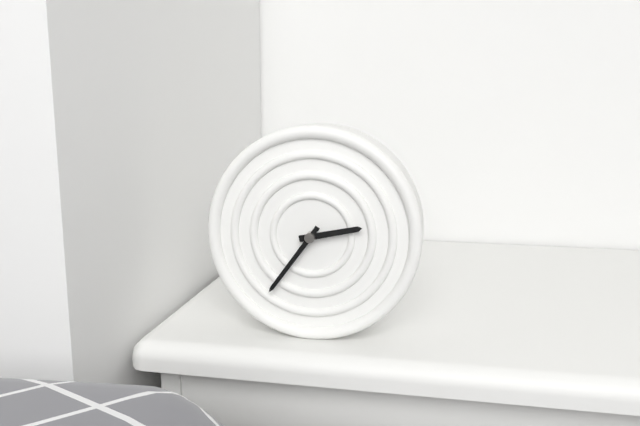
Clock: 2.36
